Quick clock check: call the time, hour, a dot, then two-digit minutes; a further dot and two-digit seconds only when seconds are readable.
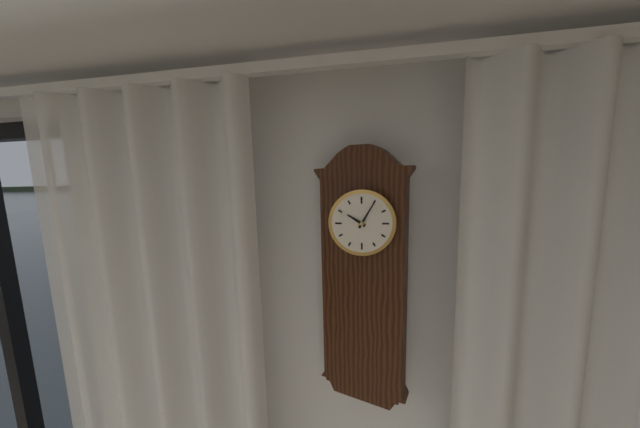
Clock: 10.05
